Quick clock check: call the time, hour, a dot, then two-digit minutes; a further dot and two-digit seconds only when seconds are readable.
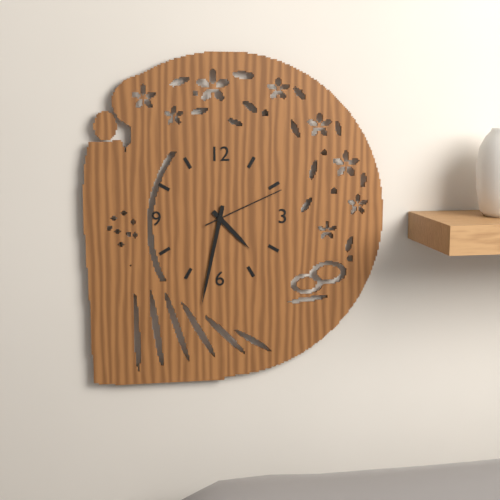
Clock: 4.32.11
